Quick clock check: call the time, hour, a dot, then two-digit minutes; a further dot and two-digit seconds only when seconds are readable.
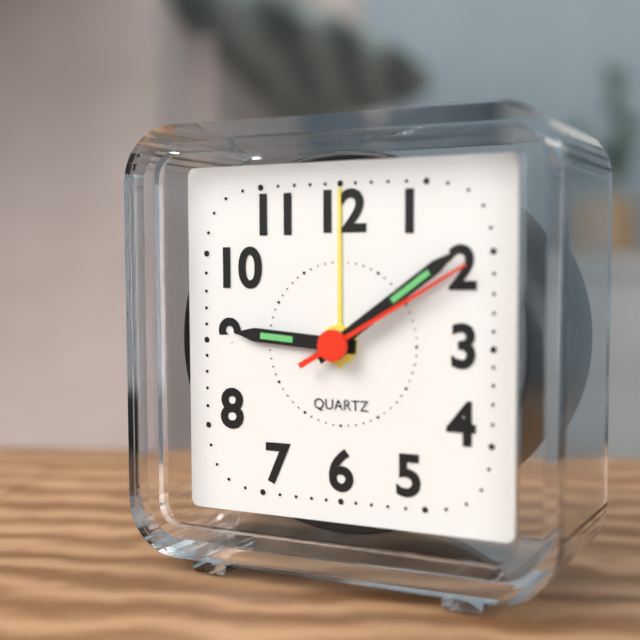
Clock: 9.09.10
